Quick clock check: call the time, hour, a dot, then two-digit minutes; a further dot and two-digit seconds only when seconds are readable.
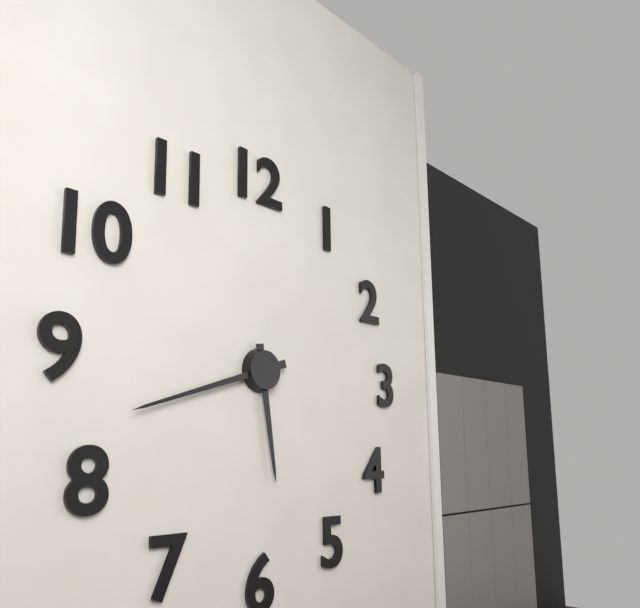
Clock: 5.42
